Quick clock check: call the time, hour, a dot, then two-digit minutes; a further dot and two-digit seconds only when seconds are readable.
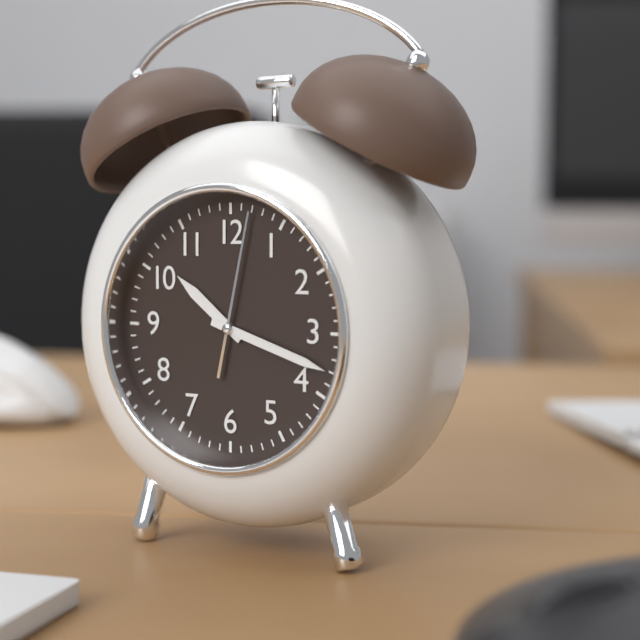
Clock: 10.18.02
